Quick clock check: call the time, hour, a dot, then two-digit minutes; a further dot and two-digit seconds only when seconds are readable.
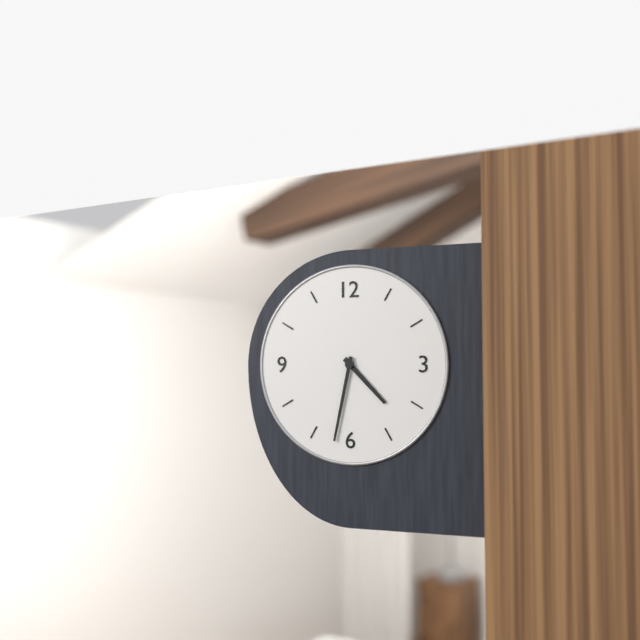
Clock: 4.32
